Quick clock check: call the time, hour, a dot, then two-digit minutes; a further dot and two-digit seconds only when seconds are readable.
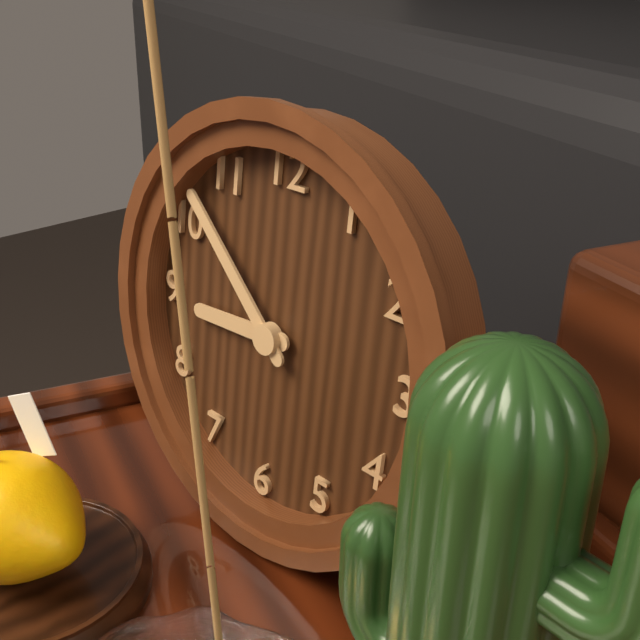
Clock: 8.52
